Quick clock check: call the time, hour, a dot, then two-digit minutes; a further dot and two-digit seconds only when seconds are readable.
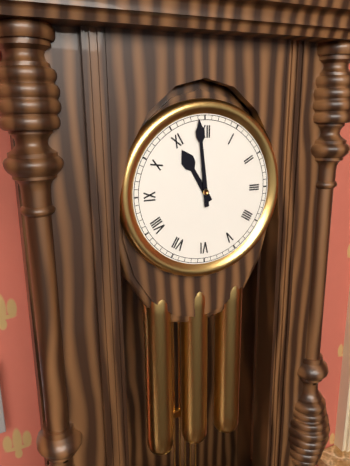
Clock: 10.59
